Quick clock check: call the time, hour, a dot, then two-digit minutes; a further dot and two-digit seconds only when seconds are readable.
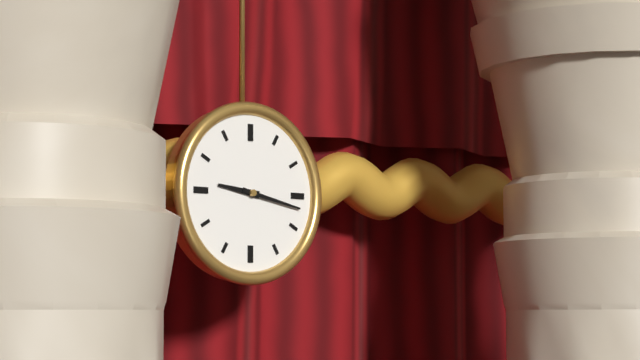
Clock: 9.17
